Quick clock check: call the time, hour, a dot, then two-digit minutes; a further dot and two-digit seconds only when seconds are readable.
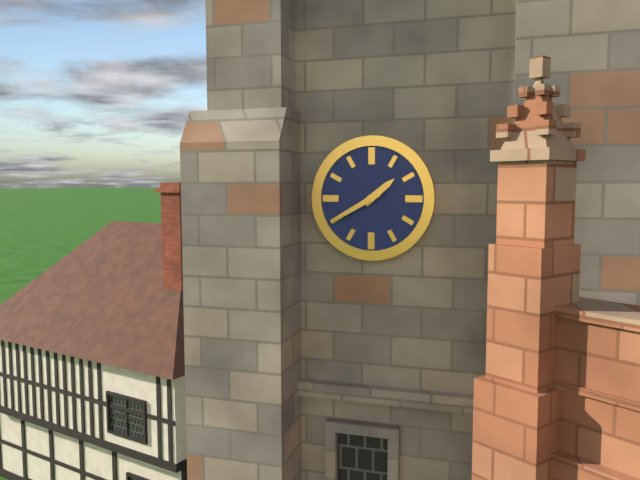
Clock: 1.40
